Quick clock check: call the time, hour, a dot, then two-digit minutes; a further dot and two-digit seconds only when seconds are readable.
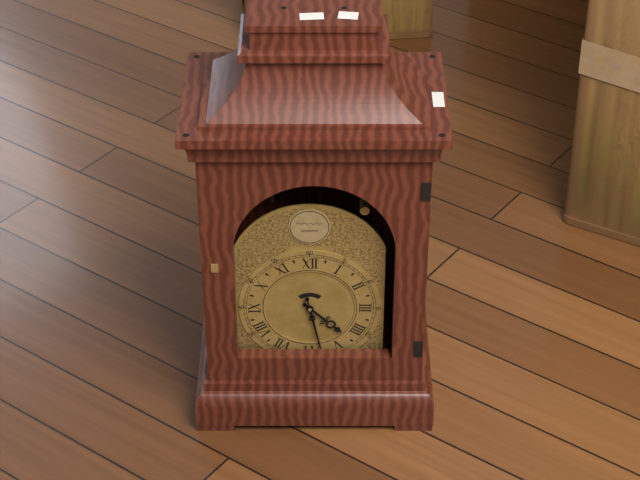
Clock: 4.28
